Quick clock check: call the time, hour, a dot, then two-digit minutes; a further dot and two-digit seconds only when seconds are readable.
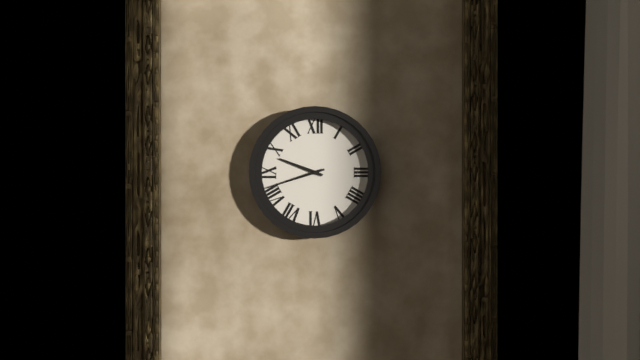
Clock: 9.42
